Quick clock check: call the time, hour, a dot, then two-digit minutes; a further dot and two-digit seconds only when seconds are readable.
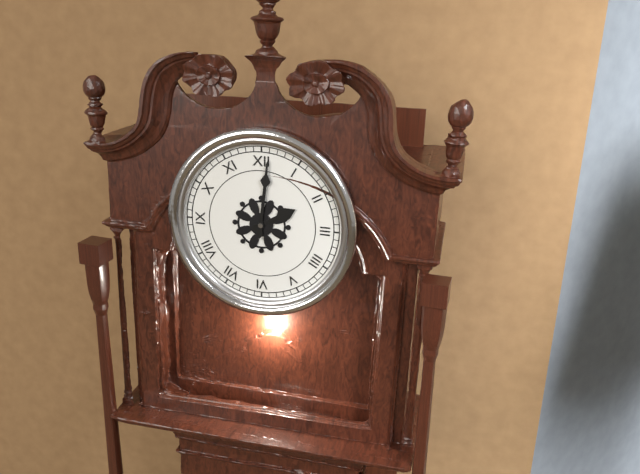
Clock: 2.01
